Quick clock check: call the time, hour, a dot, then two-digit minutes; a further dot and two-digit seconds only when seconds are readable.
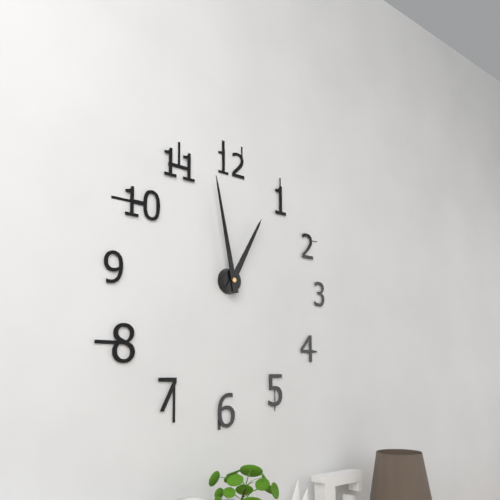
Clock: 12.58
